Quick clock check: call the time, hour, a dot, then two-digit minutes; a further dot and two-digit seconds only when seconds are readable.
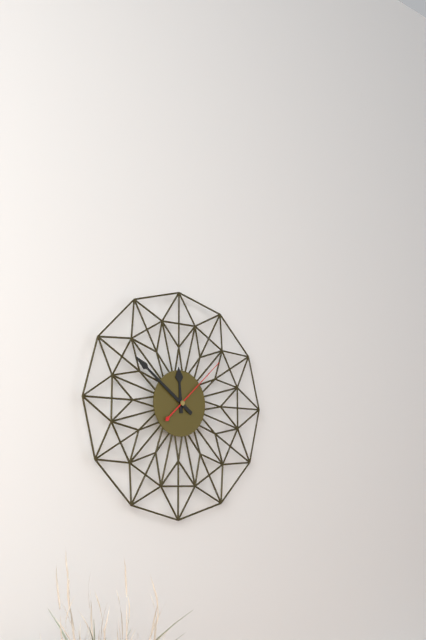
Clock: 11.51.08
